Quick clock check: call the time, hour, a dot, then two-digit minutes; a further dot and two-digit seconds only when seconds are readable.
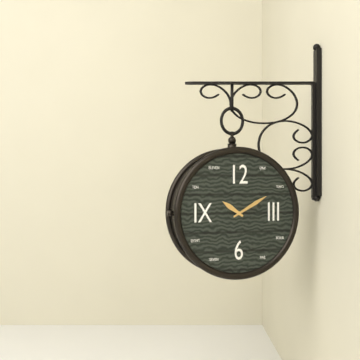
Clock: 10.10
